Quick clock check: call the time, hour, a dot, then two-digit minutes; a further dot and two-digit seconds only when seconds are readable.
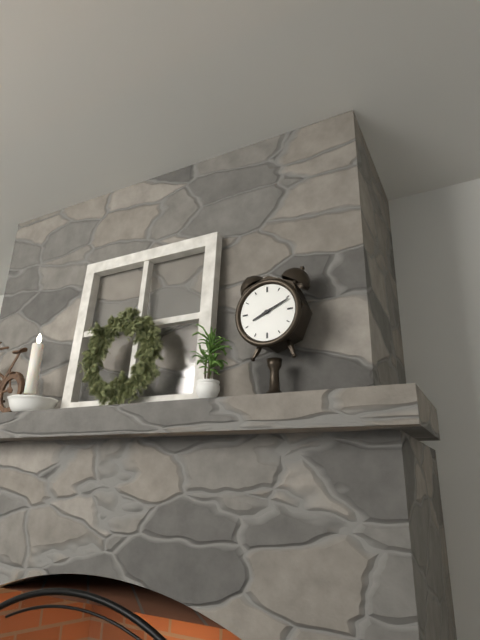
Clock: 8.11
